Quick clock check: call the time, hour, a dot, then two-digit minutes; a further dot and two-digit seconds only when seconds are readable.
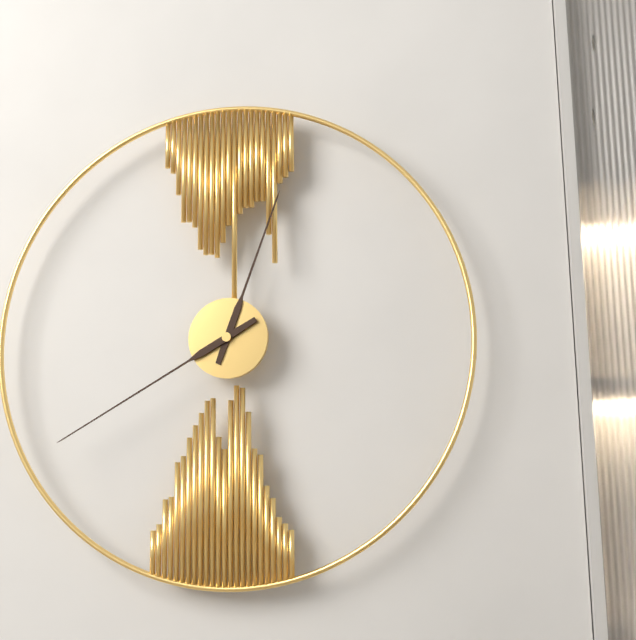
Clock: 12.40
